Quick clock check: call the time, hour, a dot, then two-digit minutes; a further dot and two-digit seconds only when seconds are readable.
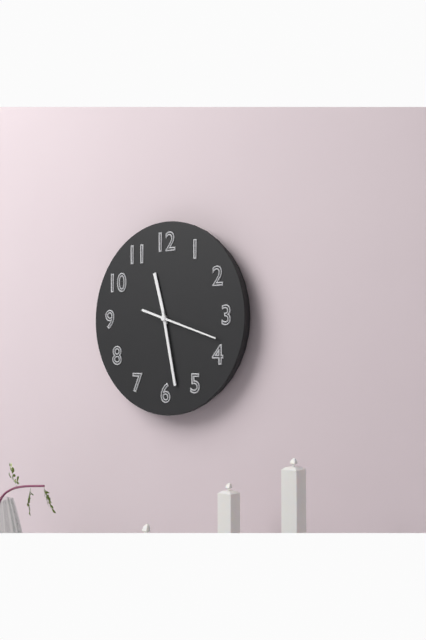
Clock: 11.28.18
